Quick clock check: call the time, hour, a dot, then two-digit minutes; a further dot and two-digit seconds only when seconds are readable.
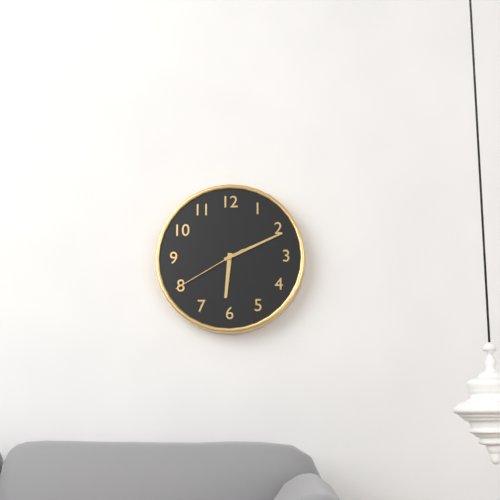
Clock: 6.11.40
